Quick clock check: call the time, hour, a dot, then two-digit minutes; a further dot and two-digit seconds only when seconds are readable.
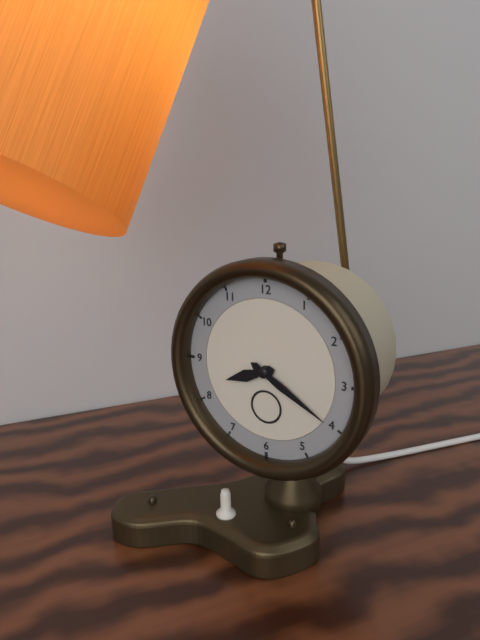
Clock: 8.20
